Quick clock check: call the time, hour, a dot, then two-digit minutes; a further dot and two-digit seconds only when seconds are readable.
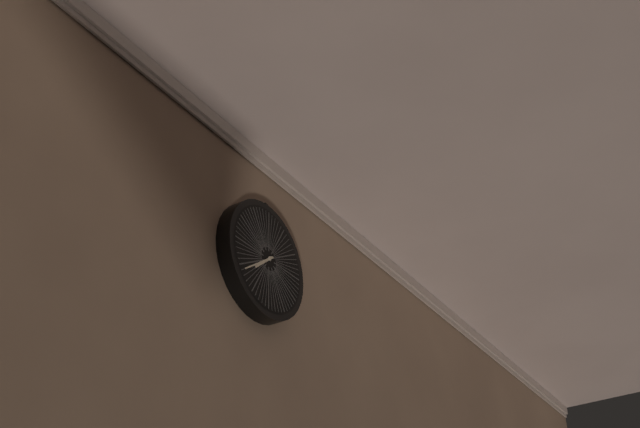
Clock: 7.39
